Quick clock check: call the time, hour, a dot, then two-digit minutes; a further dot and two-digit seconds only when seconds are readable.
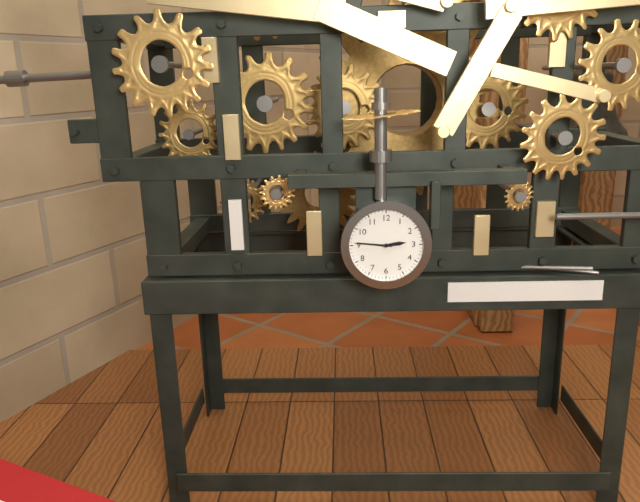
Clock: 2.46
